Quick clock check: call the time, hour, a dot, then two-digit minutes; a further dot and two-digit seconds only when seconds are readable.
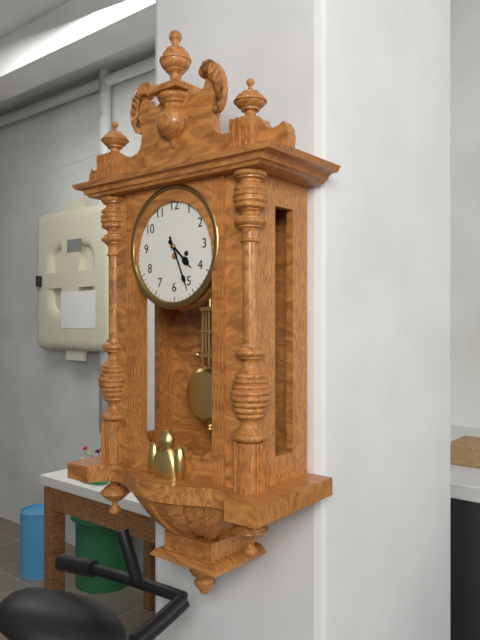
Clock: 4.26
